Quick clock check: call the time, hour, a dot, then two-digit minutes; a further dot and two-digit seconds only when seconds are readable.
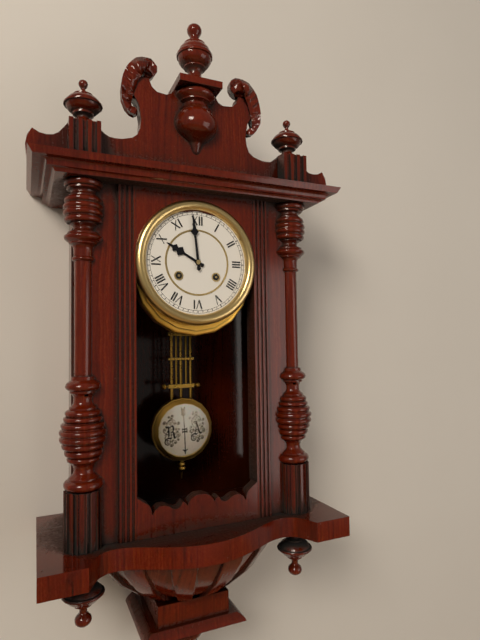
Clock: 9.59
